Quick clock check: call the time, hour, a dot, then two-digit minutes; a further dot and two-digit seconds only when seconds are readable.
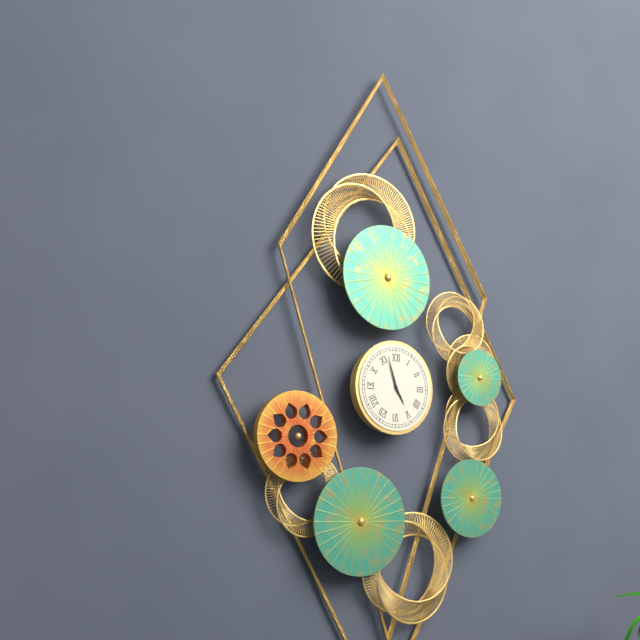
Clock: 4.57
